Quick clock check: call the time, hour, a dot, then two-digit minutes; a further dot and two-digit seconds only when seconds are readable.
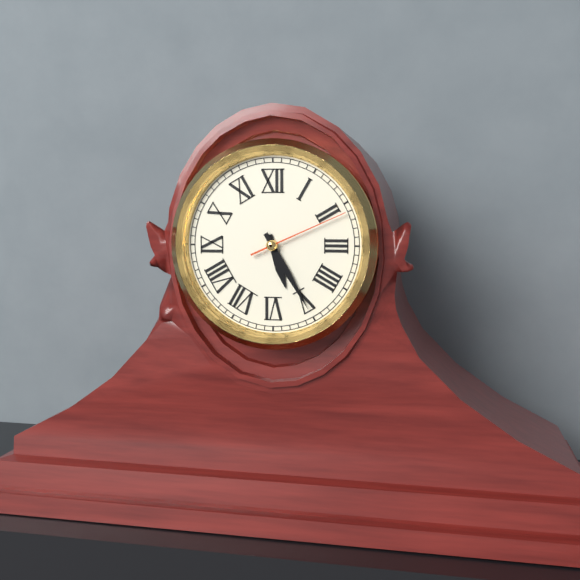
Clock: 5.25.11
